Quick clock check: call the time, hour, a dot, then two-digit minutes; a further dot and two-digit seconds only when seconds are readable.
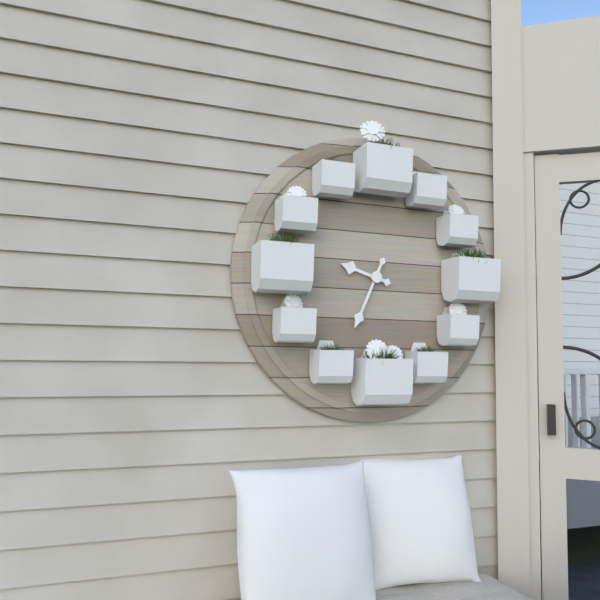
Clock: 9.34
